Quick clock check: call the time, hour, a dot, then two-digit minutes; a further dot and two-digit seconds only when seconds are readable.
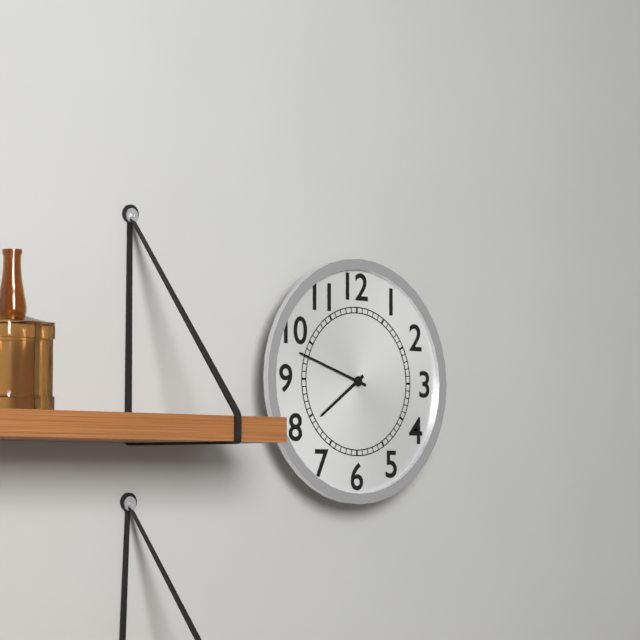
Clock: 7.48
